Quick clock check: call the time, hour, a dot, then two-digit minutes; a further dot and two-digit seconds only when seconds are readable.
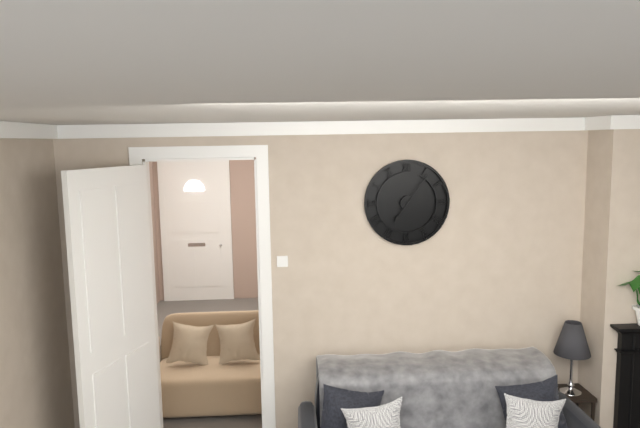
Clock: 7.06
